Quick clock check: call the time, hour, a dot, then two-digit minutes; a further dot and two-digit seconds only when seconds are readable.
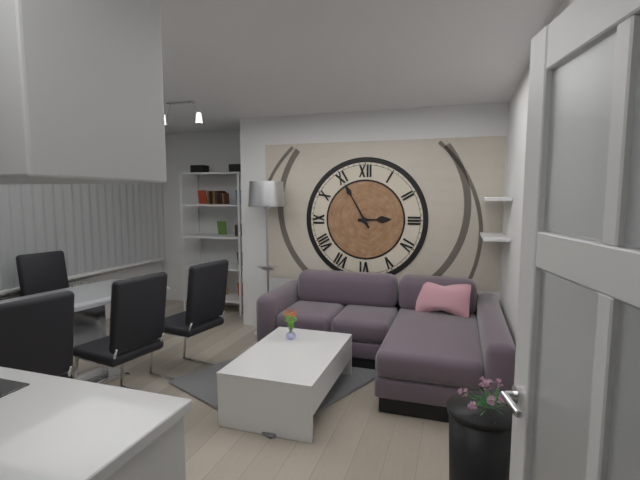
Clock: 2.55
